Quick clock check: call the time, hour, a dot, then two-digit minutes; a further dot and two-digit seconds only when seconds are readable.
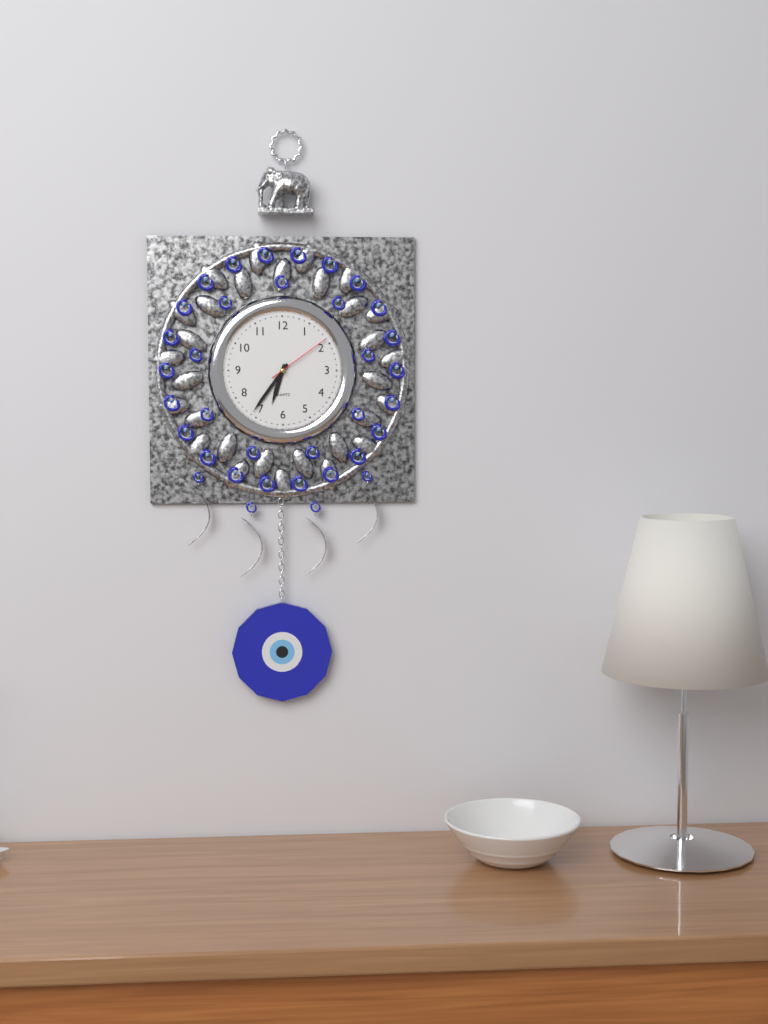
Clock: 6.36.09
